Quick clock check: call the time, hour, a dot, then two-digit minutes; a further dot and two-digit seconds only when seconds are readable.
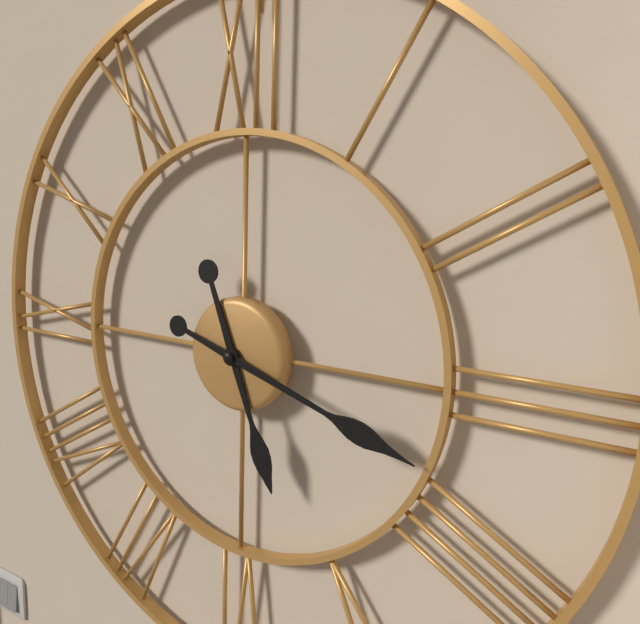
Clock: 5.18
